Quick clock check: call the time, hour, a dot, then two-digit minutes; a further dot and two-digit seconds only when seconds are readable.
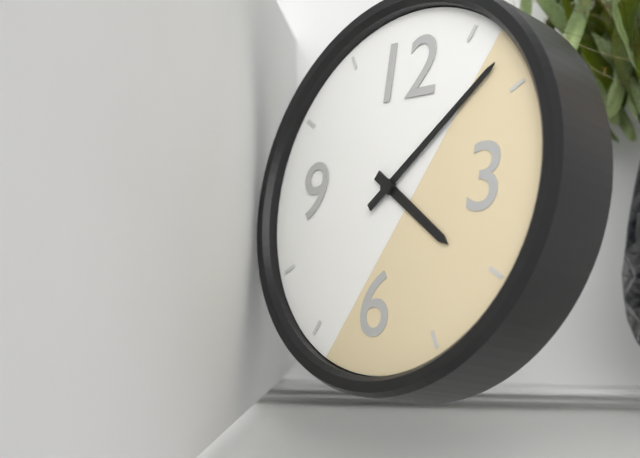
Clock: 4.08
